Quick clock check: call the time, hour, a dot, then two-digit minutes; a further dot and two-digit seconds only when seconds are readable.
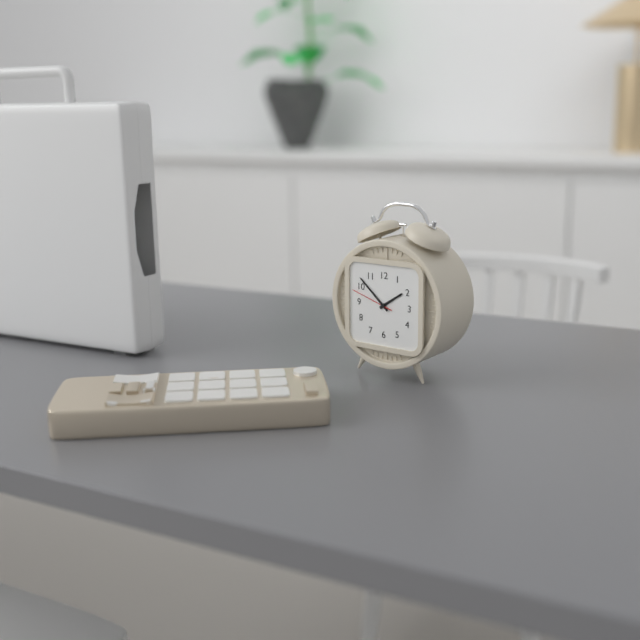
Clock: 1.52
